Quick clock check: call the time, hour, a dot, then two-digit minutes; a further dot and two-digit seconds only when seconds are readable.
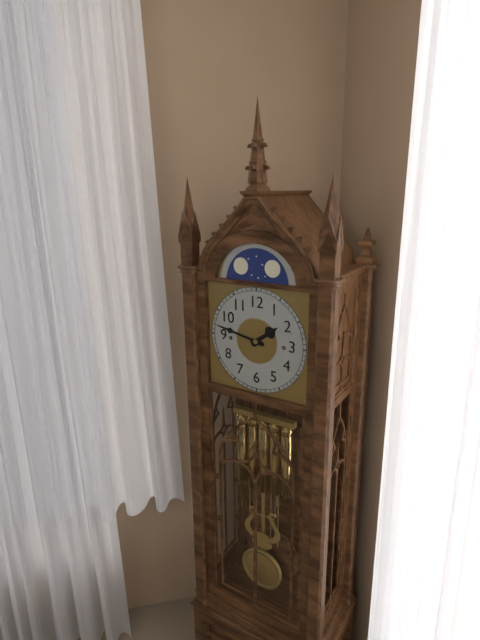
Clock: 1.47
